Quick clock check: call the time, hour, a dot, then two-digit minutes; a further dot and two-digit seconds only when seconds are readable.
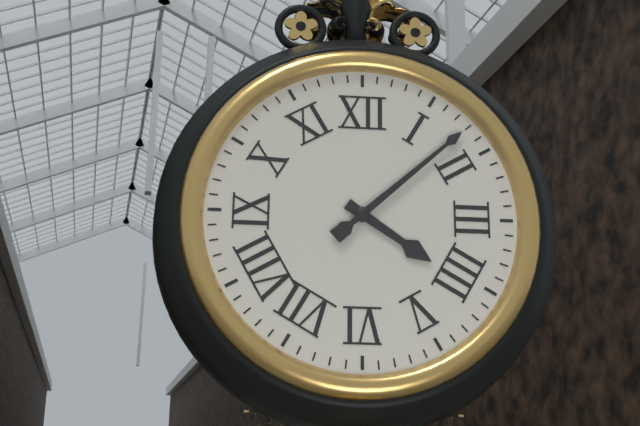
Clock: 4.08
